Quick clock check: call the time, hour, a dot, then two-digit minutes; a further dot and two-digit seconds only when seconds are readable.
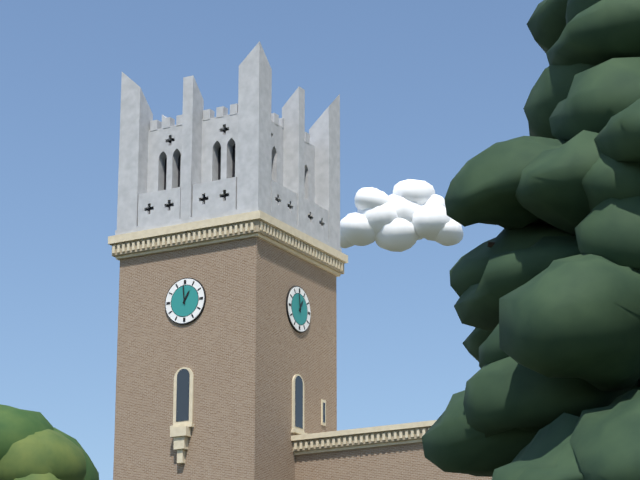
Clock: 12.59
